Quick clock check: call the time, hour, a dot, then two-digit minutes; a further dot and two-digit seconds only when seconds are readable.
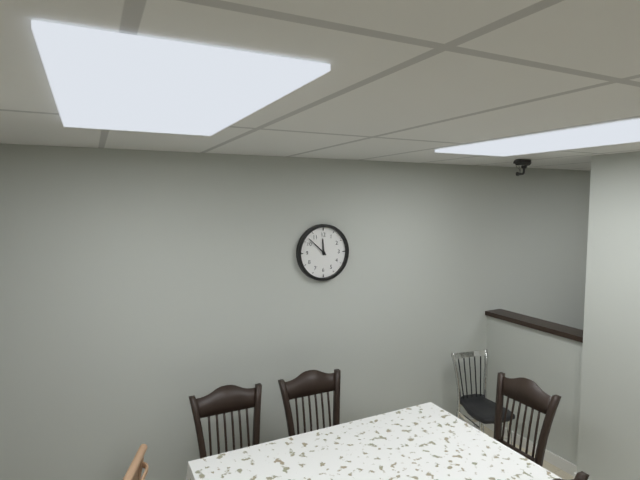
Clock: 11.52
